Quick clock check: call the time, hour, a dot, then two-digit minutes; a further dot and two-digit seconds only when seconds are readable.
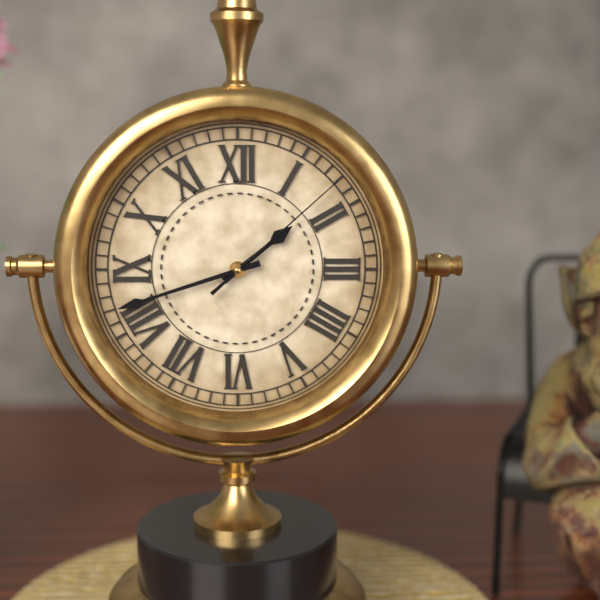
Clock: 1.42.08
